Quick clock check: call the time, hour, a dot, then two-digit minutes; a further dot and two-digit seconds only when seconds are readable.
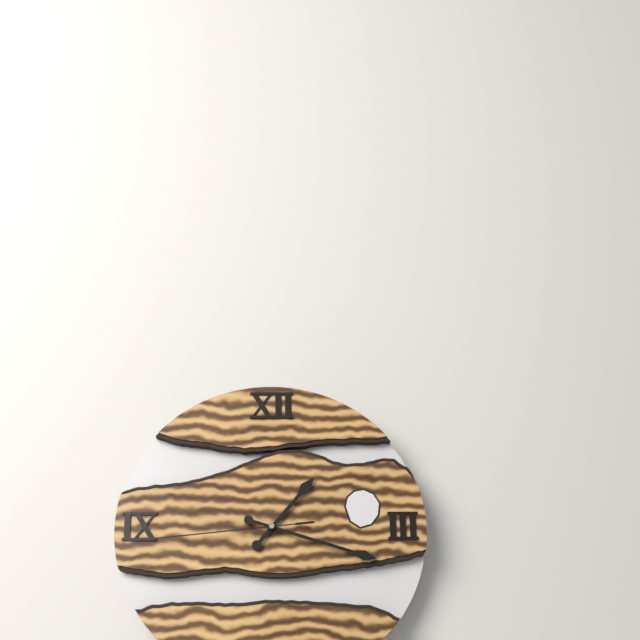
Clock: 1.18.44
